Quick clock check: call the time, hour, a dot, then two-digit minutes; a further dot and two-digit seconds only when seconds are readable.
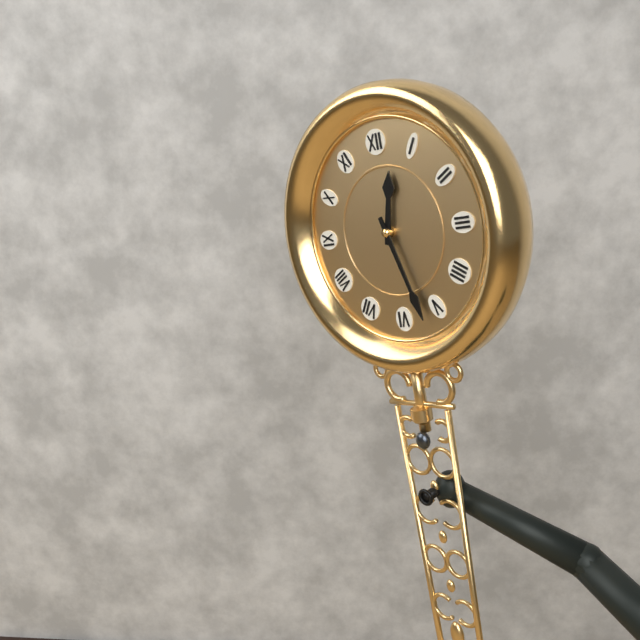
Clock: 12.27
